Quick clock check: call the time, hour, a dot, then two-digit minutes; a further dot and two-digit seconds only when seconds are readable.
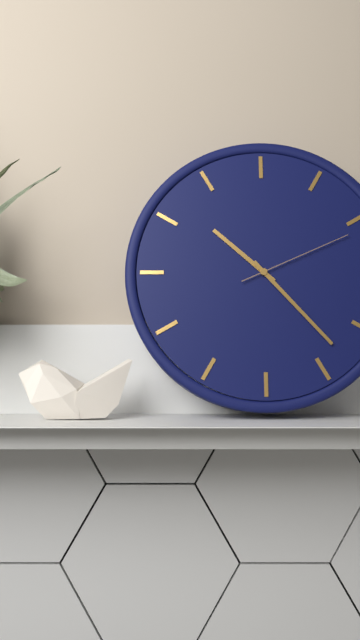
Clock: 10.23.11
